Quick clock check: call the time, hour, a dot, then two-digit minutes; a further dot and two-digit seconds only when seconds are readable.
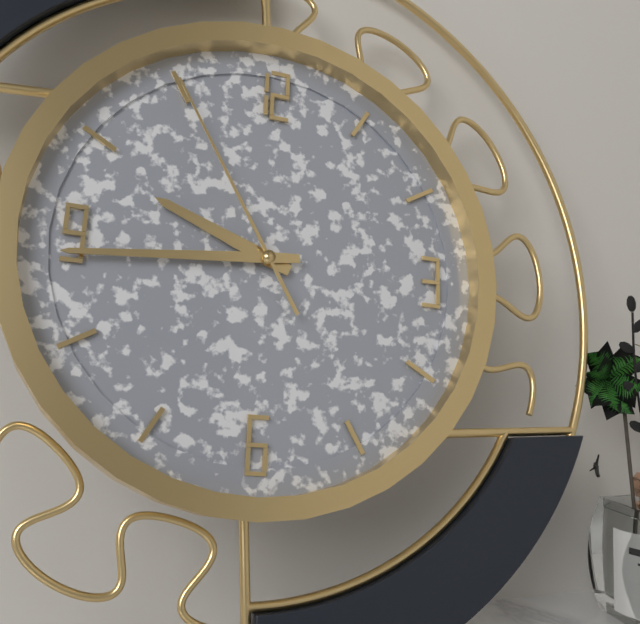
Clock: 9.44.55
